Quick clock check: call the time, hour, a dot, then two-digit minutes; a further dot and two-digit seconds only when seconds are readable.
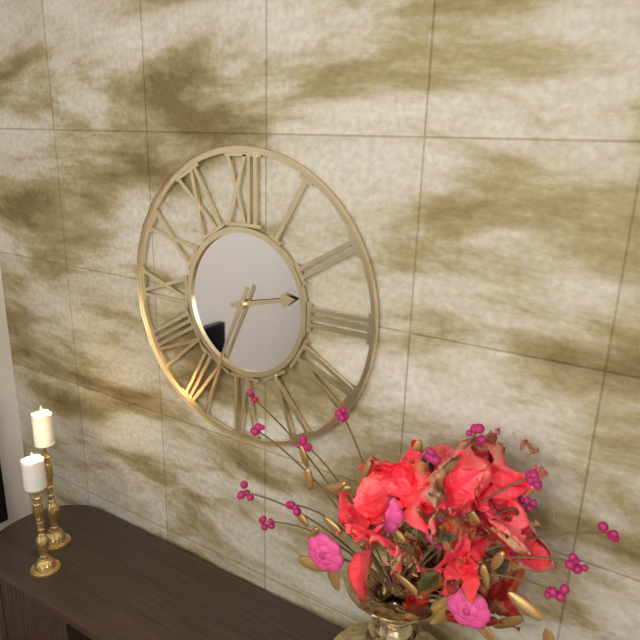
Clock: 2.34
